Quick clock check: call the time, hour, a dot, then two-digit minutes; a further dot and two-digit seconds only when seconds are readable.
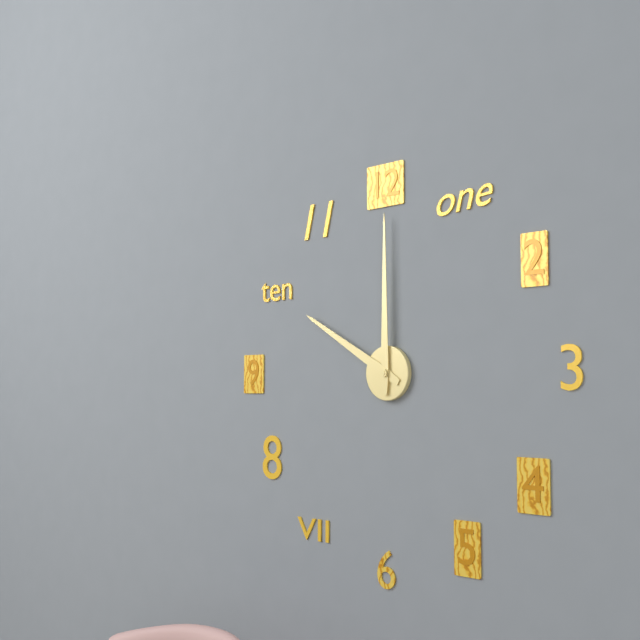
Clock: 10.00
